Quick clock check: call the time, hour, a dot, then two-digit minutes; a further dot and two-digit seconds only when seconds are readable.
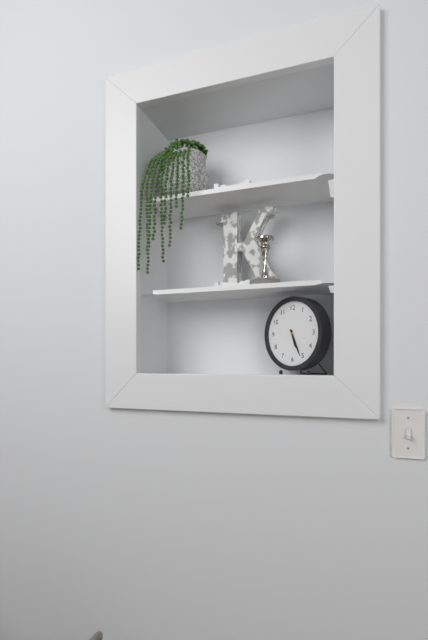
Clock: 5.26
